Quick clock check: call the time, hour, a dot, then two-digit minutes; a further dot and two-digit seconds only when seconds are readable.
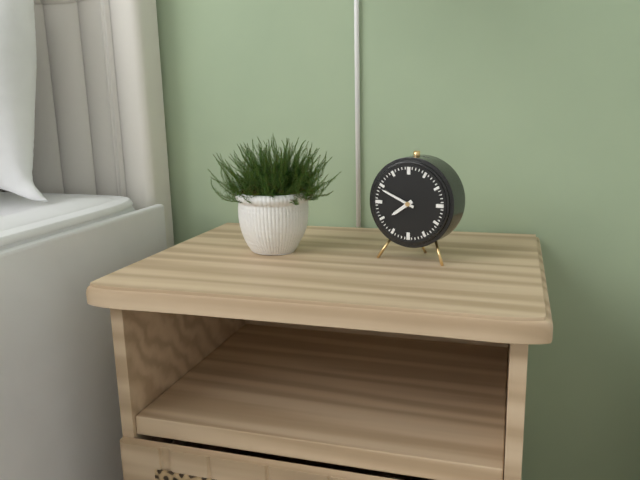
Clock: 7.49
